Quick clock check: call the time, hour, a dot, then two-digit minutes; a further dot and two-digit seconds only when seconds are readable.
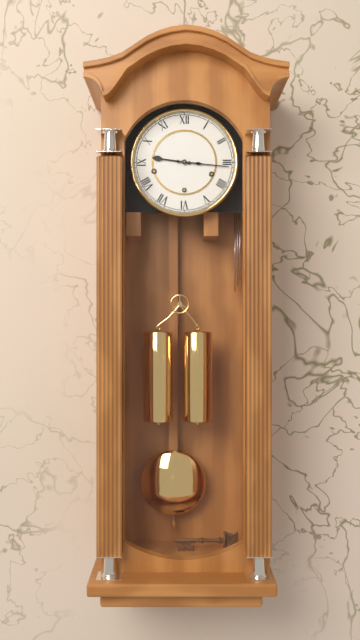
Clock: 9.16
